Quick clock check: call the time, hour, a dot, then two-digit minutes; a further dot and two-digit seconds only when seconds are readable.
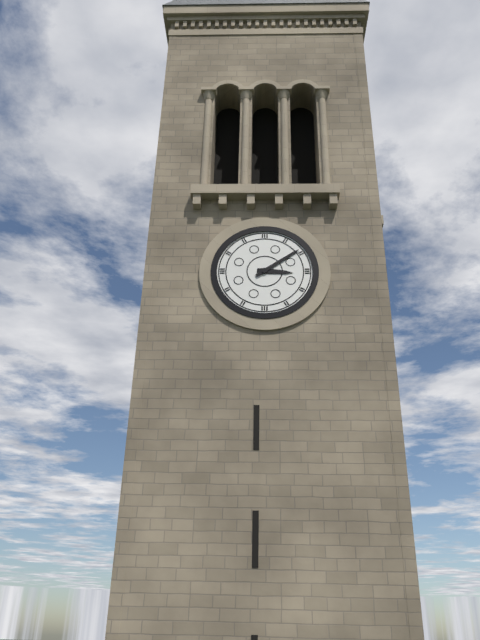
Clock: 3.09
